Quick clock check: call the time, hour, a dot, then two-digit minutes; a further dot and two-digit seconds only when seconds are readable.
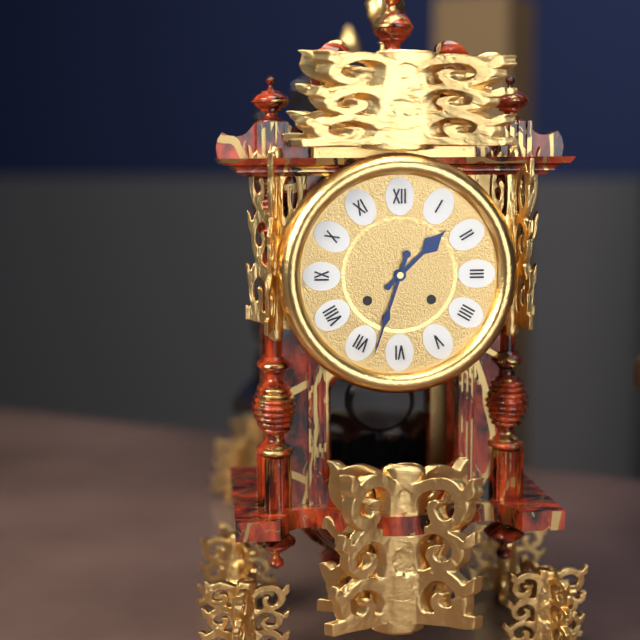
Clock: 1.33
